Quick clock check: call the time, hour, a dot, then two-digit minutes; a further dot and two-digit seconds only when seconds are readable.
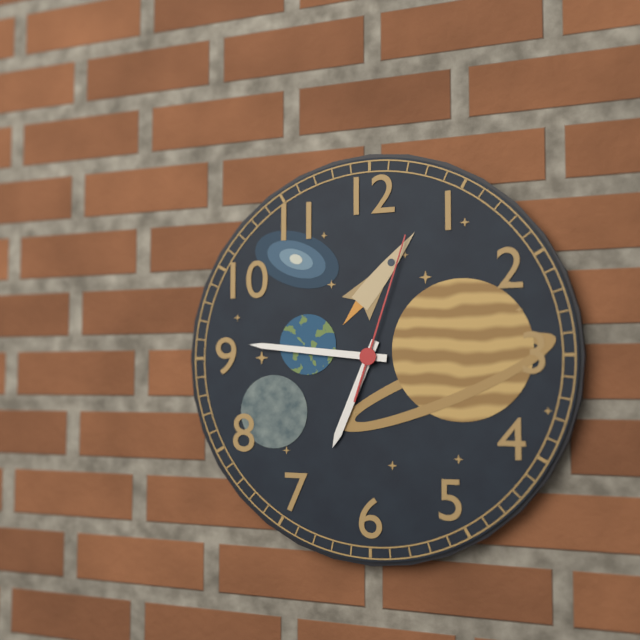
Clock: 6.46.03
